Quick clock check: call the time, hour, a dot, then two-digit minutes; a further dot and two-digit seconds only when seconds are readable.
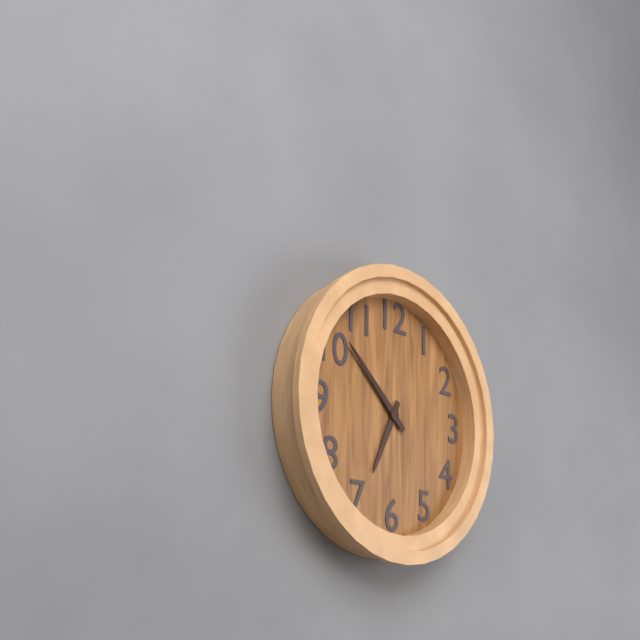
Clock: 6.52
